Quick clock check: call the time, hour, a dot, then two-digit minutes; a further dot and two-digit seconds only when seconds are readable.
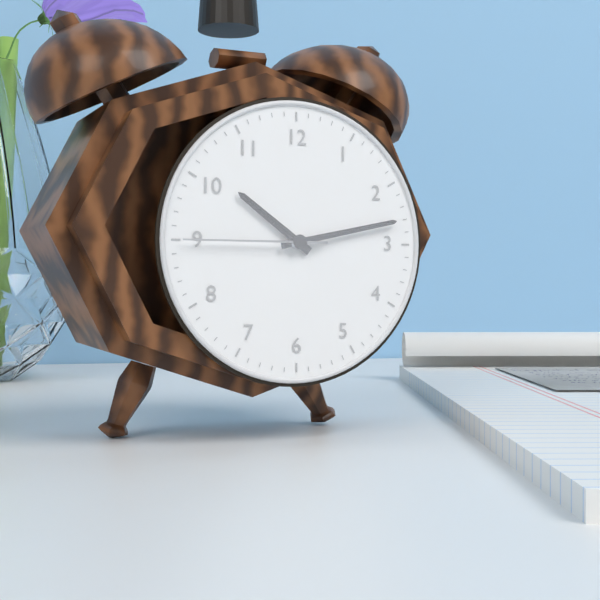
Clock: 10.13.45
